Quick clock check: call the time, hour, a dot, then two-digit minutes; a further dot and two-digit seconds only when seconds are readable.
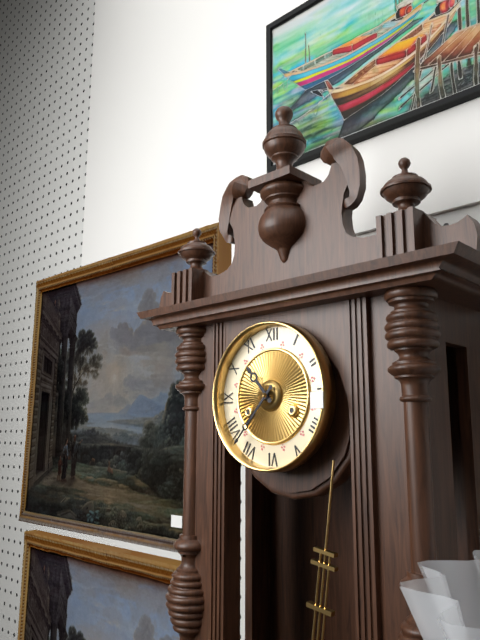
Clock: 10.37
